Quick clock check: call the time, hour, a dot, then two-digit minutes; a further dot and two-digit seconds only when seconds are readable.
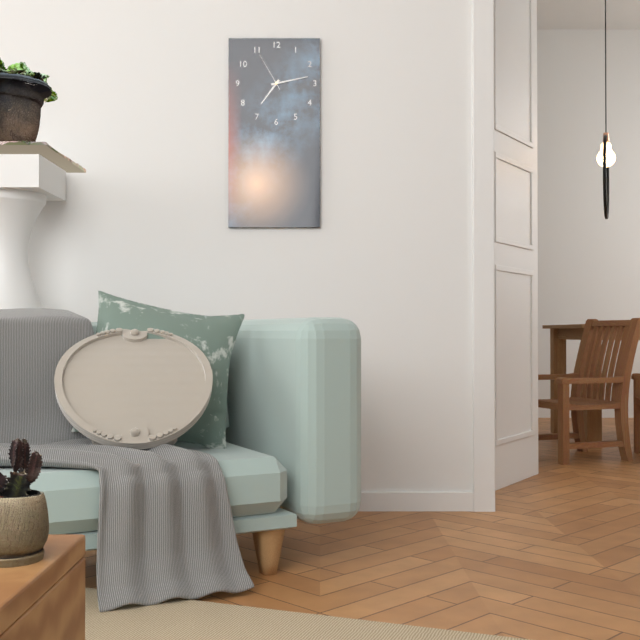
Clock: 7.13
